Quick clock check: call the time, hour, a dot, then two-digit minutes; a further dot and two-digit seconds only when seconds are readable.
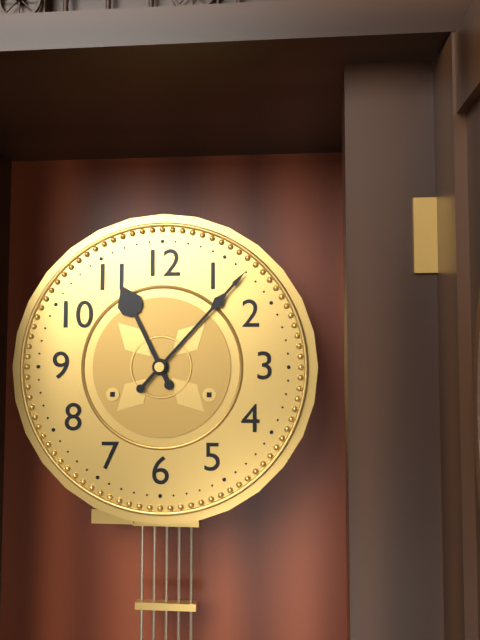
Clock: 11.07
